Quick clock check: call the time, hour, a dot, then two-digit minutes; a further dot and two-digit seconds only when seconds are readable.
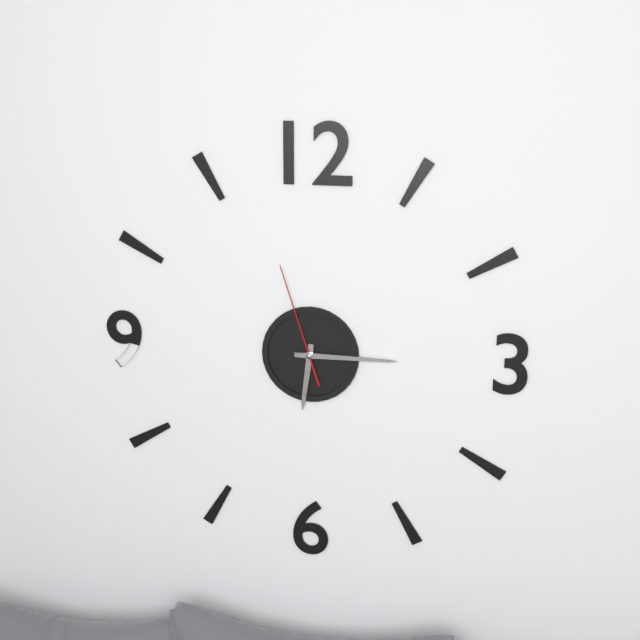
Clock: 6.15.57
